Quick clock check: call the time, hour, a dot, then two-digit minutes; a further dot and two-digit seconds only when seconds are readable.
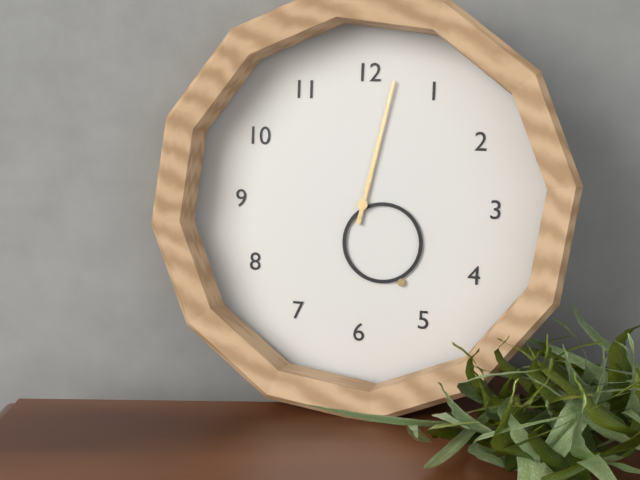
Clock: 5.02
